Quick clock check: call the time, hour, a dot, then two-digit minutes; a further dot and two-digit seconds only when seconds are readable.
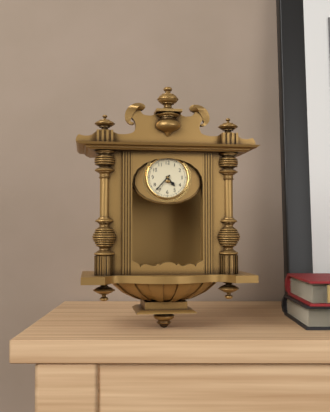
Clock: 4.37
